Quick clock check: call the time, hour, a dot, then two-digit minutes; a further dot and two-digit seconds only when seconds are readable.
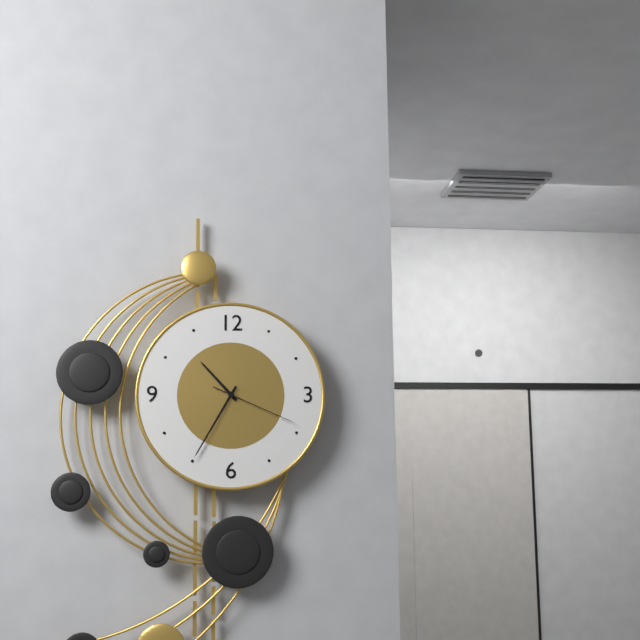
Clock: 10.35.19
